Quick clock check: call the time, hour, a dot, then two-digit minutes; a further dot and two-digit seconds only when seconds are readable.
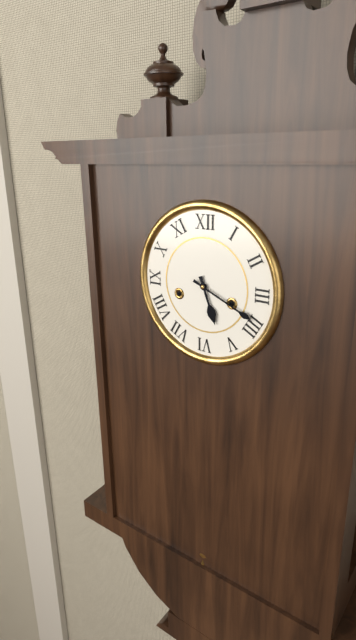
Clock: 5.19
